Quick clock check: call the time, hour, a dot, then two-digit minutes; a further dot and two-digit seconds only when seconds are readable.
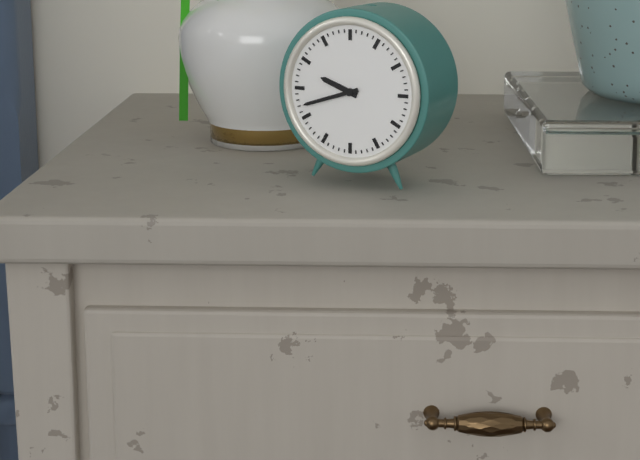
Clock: 9.42
